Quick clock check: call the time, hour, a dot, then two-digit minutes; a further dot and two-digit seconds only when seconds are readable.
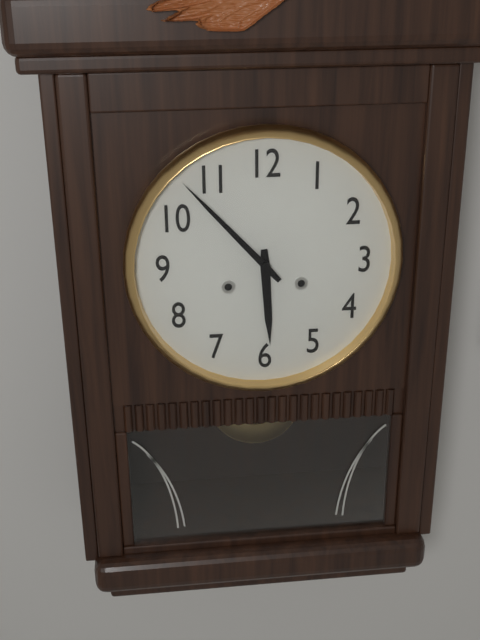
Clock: 5.53
